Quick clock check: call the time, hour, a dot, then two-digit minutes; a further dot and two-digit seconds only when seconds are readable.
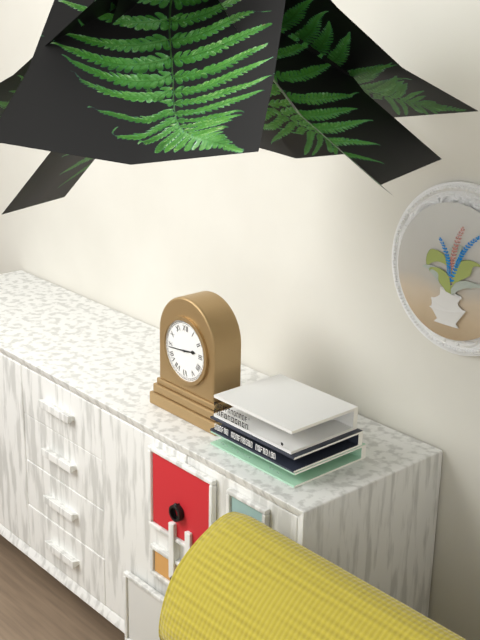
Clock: 2.44
